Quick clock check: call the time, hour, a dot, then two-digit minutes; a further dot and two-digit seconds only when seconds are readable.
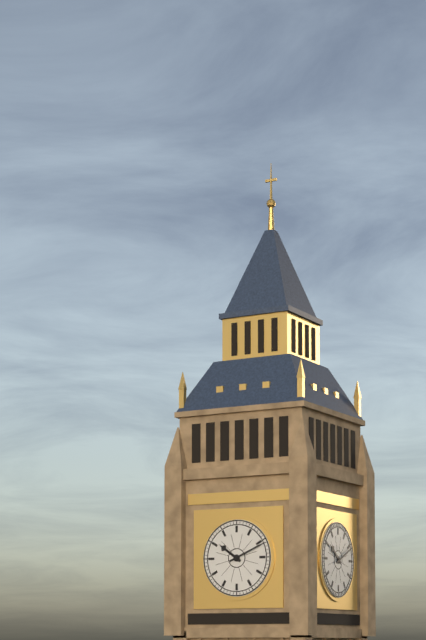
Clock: 10.11
